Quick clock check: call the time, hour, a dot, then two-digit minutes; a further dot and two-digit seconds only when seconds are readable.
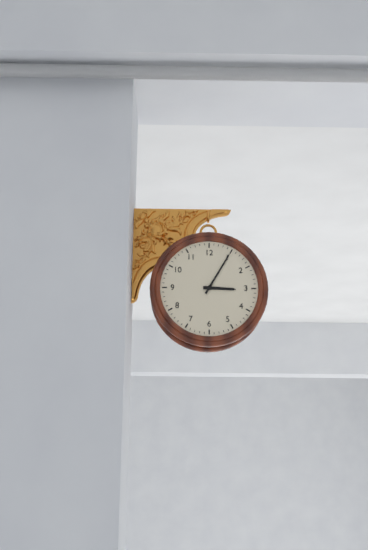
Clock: 3.05
